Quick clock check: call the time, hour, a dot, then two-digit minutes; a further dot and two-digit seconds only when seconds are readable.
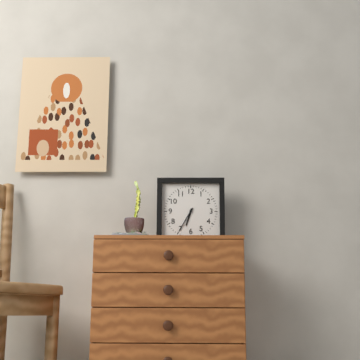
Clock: 6.35
